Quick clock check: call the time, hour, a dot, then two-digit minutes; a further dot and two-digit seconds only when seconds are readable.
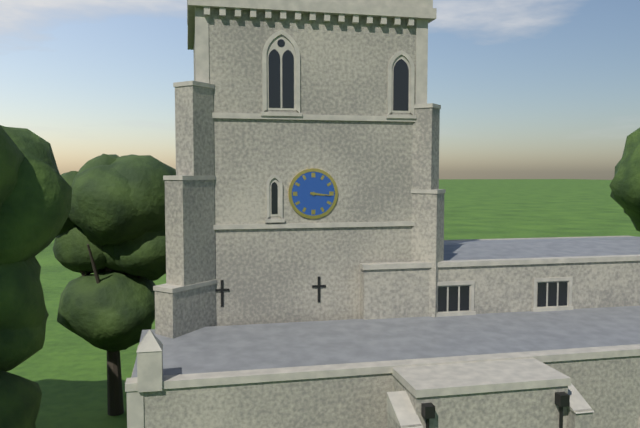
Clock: 3.16
